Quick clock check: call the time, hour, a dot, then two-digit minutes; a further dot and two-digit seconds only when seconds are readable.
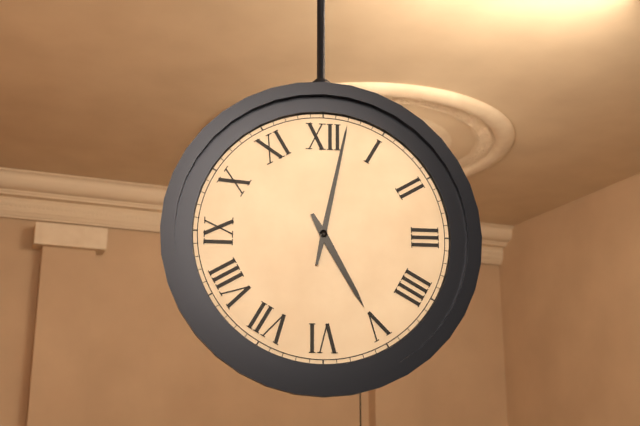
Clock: 5.02
